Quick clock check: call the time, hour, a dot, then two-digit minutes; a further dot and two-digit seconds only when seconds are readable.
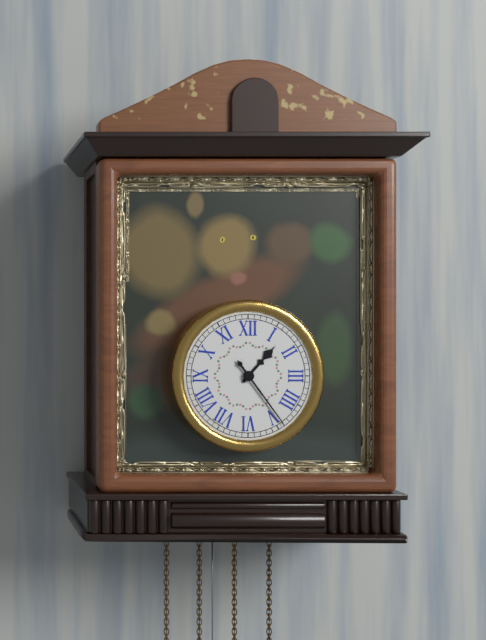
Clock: 1.24
